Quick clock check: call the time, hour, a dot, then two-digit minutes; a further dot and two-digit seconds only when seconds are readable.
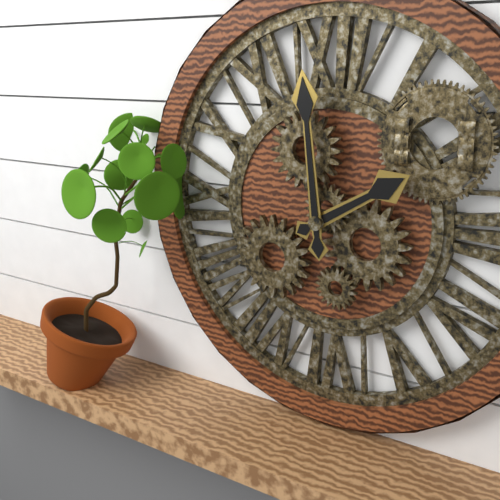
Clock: 1.59
